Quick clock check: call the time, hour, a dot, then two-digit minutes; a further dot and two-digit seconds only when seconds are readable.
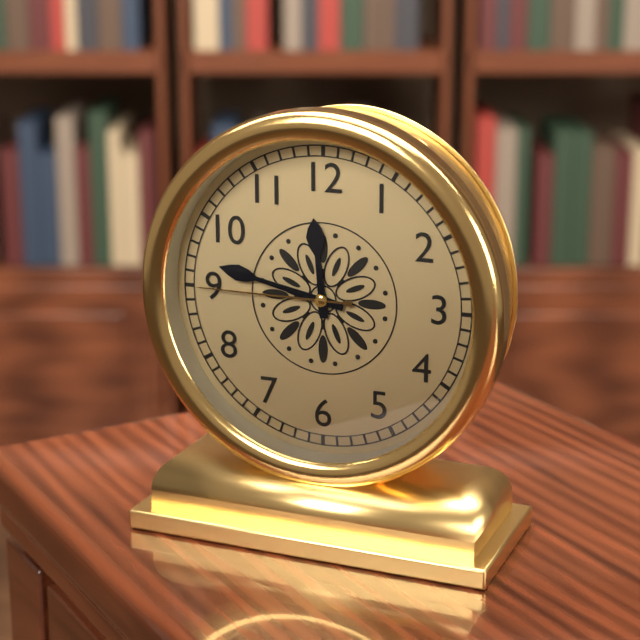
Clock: 11.47.45
